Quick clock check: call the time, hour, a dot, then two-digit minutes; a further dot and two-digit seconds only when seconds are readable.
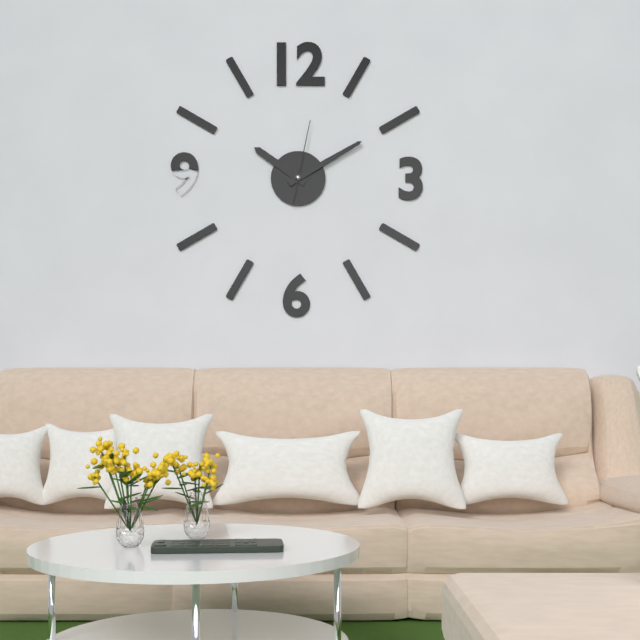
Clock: 10.10.02
